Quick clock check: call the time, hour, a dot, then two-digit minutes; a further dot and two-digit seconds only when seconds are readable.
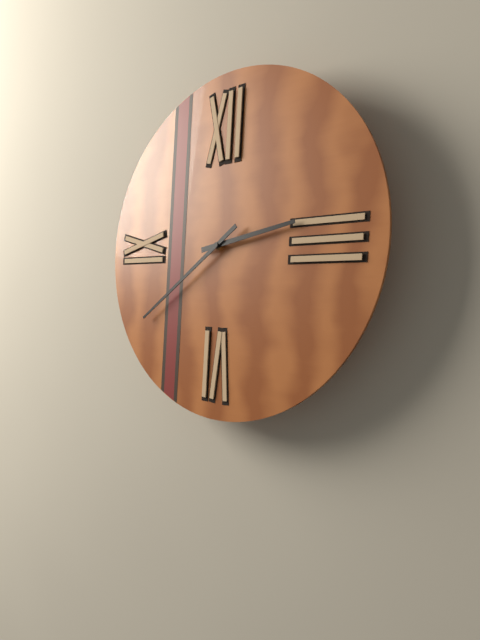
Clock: 2.39
